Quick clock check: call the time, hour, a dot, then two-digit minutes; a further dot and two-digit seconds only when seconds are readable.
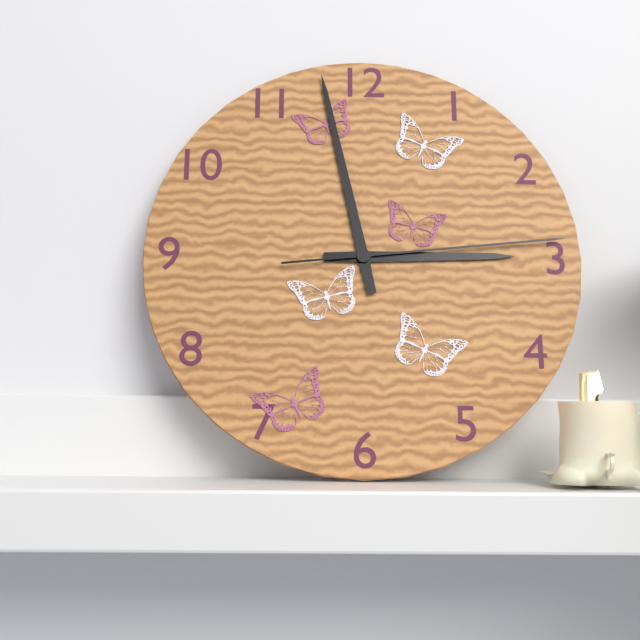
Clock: 2.58.14
